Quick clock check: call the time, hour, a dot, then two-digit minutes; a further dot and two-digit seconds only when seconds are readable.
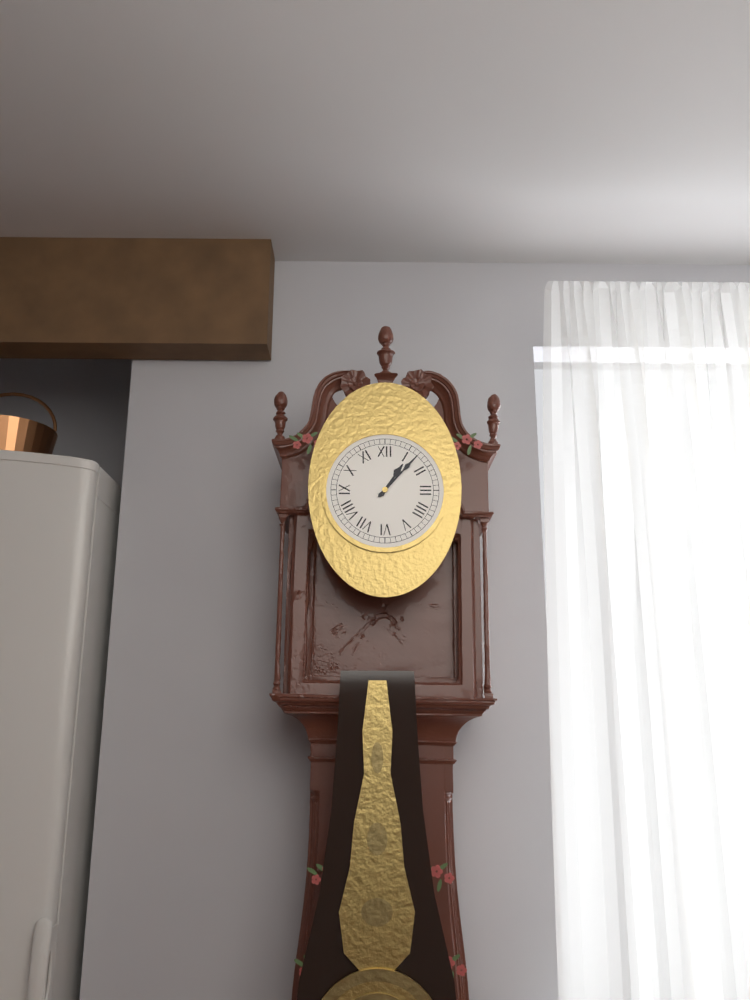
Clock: 1.07
